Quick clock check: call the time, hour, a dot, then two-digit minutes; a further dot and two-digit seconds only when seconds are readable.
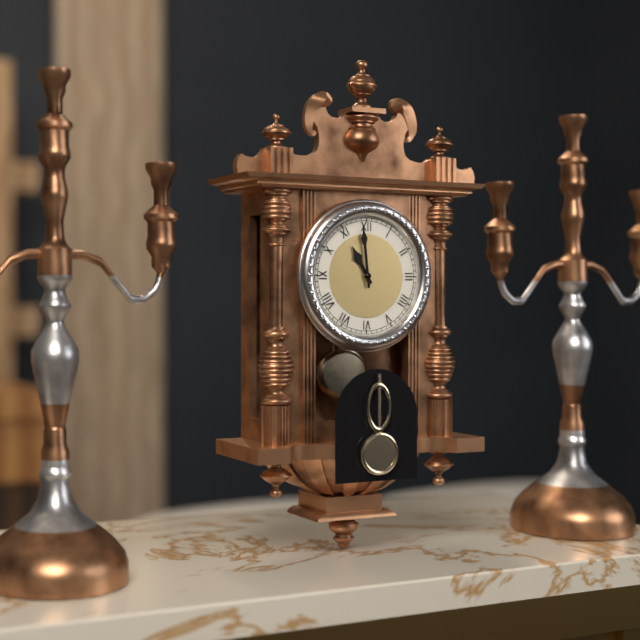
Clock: 10.59
